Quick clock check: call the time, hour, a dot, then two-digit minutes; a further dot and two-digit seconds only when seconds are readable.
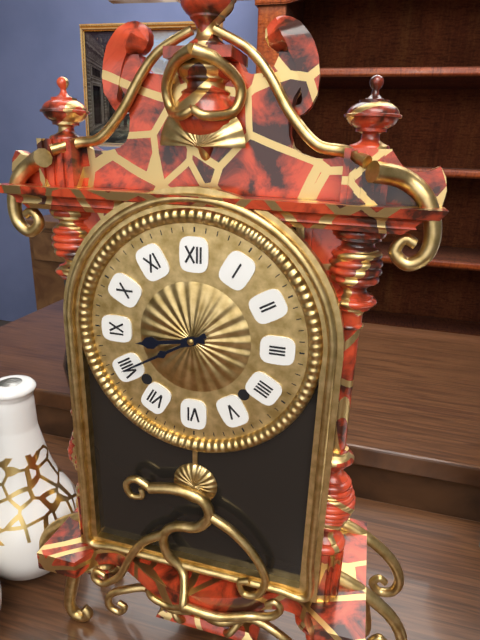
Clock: 8.40
